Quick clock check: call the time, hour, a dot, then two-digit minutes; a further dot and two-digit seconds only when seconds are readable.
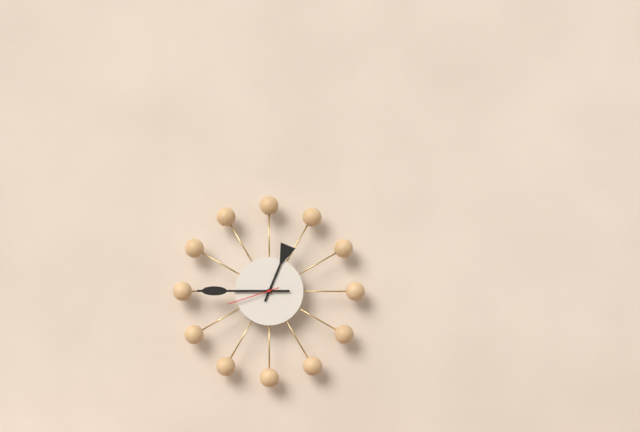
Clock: 12.45.42
